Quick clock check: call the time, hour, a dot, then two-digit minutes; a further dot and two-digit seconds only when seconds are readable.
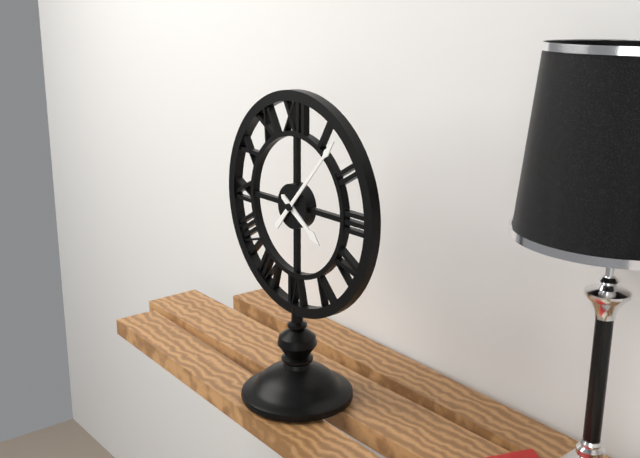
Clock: 4.07
